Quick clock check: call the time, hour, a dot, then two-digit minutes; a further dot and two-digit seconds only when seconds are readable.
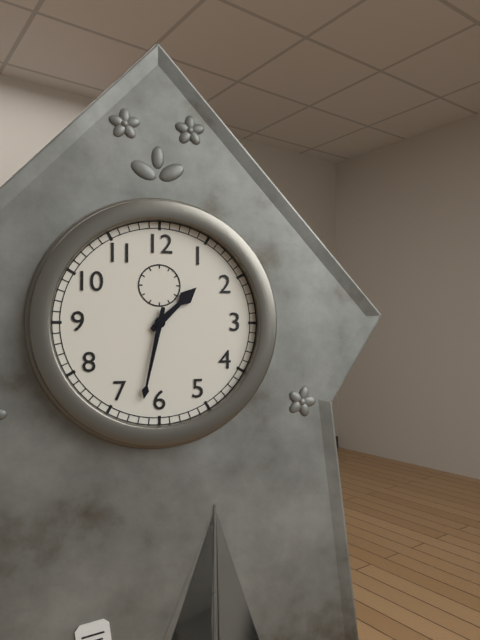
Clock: 1.32
